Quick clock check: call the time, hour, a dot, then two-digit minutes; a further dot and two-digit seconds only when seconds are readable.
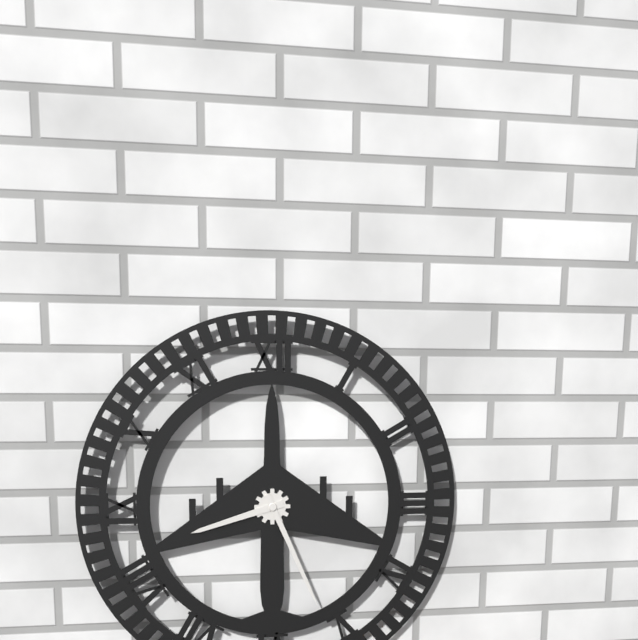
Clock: 8.26
